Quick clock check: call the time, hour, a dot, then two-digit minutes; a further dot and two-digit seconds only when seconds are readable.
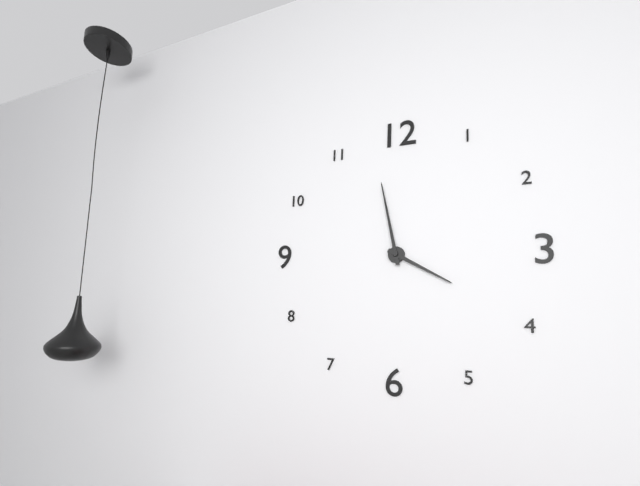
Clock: 3.58
